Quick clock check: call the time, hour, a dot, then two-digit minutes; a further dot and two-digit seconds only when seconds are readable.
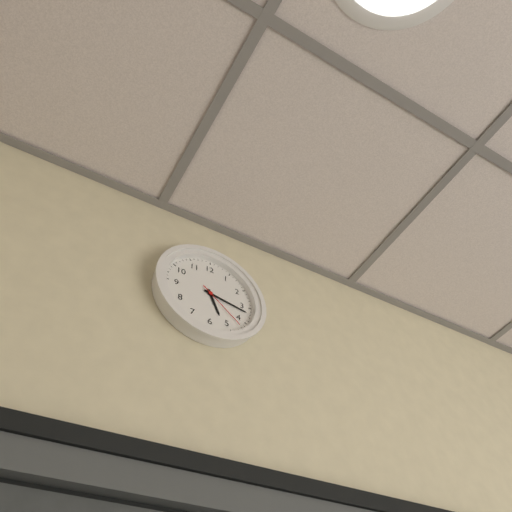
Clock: 5.17.22
